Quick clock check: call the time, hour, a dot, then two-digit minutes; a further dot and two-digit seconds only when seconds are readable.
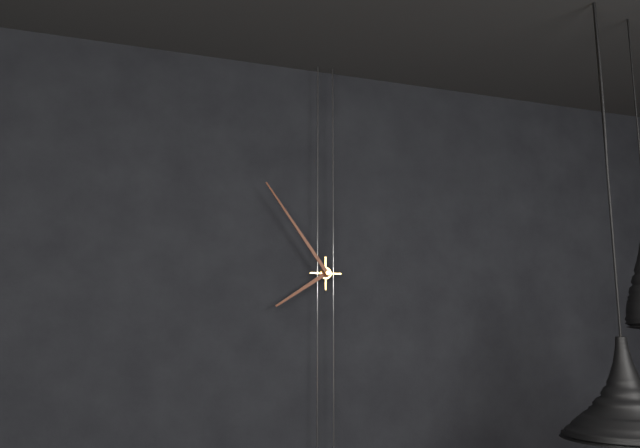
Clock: 7.54
